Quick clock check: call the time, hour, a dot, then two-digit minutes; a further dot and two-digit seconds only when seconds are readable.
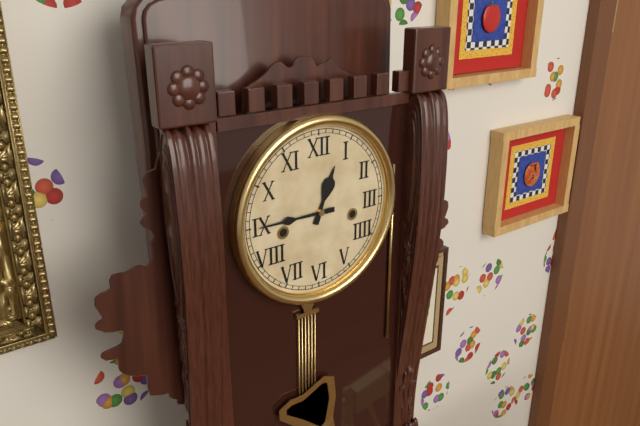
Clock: 12.45
